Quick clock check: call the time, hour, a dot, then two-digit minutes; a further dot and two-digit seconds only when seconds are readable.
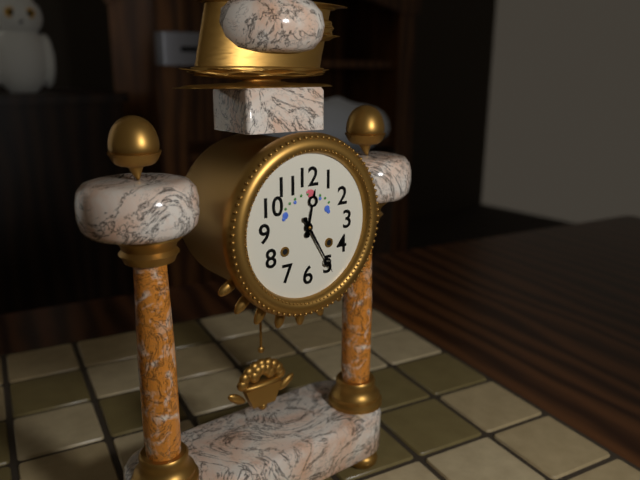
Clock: 12.25
